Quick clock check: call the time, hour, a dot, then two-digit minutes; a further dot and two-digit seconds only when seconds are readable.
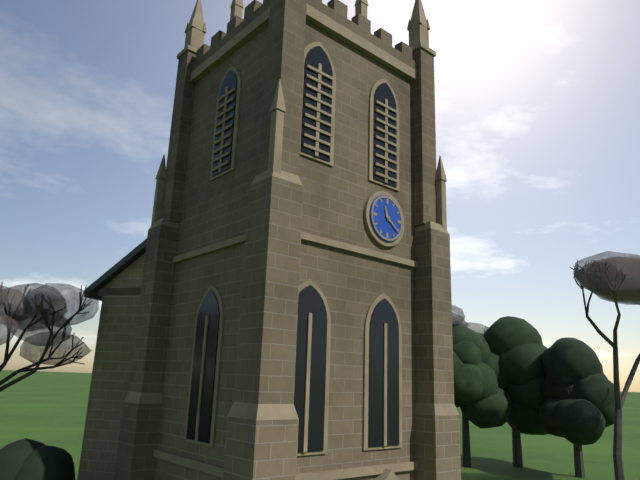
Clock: 11.21
